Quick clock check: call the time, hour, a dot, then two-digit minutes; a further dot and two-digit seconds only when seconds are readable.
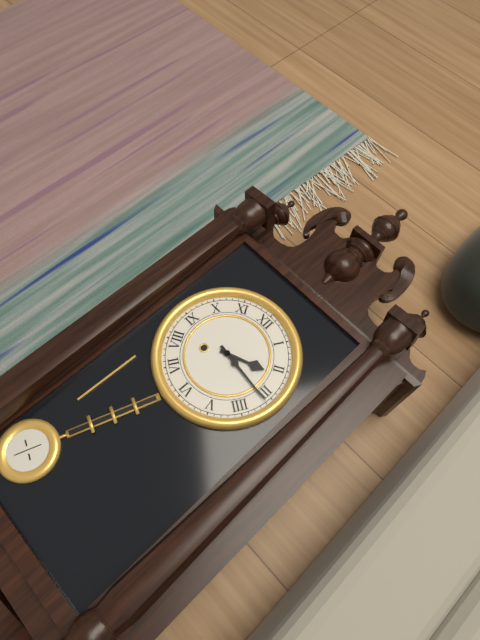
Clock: 2.16
